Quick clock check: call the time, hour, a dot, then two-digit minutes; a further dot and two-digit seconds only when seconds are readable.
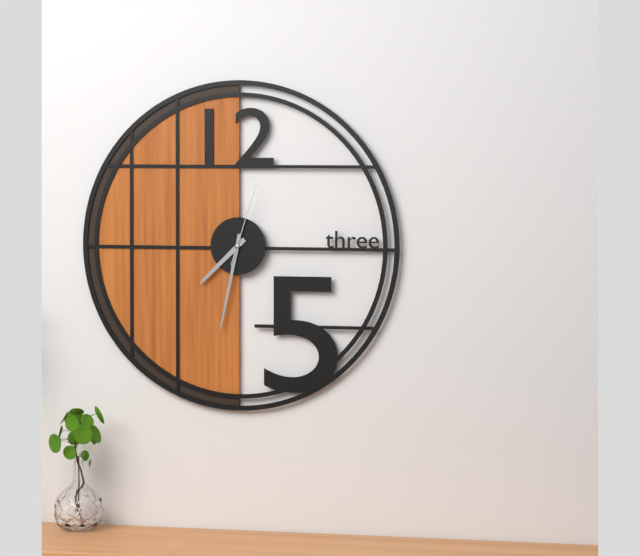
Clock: 7.32.03
